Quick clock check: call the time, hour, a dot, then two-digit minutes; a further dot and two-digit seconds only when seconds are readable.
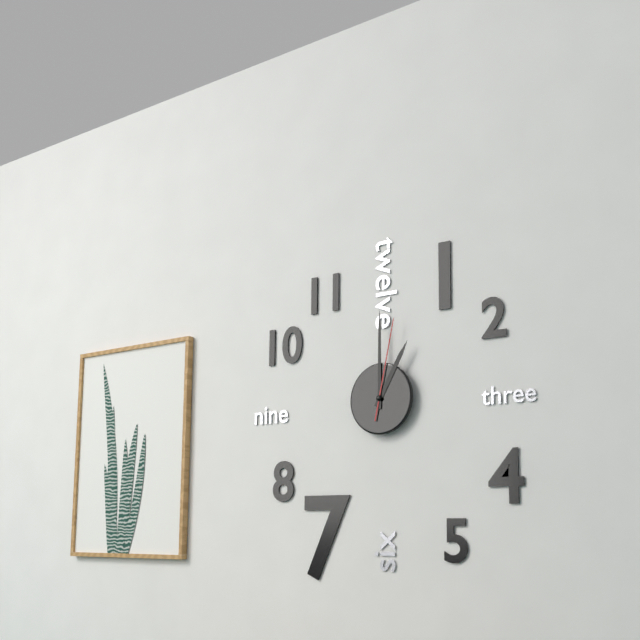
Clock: 1.00.02
